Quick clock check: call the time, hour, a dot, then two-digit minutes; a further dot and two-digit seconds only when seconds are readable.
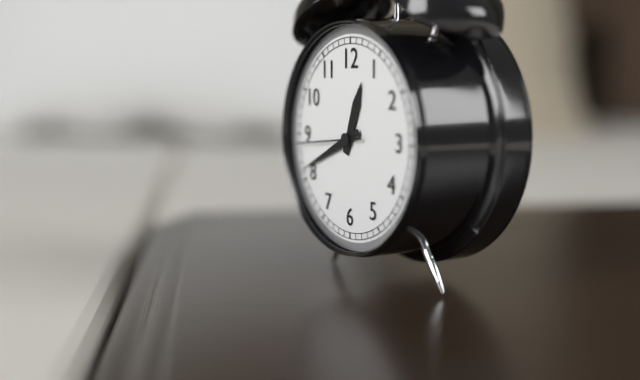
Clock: 12.41.44
